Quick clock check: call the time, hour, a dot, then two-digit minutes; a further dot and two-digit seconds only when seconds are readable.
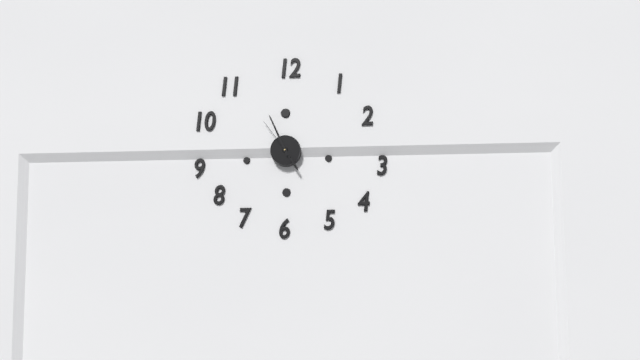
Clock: 4.56
